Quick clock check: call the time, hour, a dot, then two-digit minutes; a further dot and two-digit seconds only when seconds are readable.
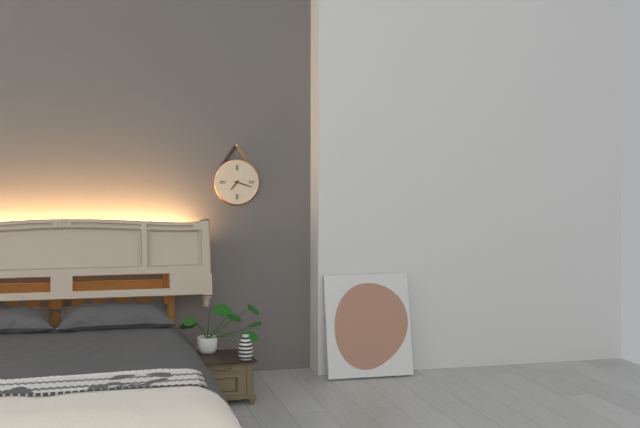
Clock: 7.18
